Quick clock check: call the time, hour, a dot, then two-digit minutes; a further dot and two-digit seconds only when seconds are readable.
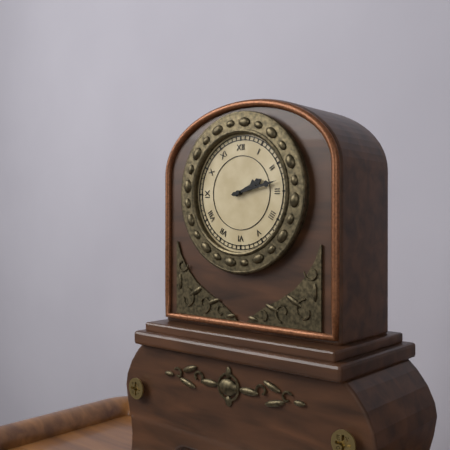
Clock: 2.13
